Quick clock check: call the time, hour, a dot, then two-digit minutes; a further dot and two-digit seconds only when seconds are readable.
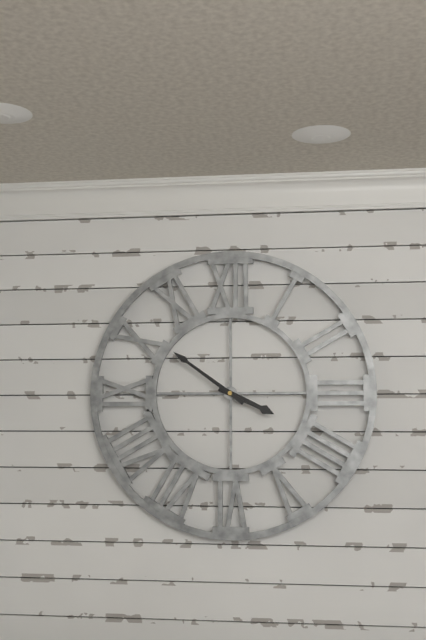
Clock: 3.51
